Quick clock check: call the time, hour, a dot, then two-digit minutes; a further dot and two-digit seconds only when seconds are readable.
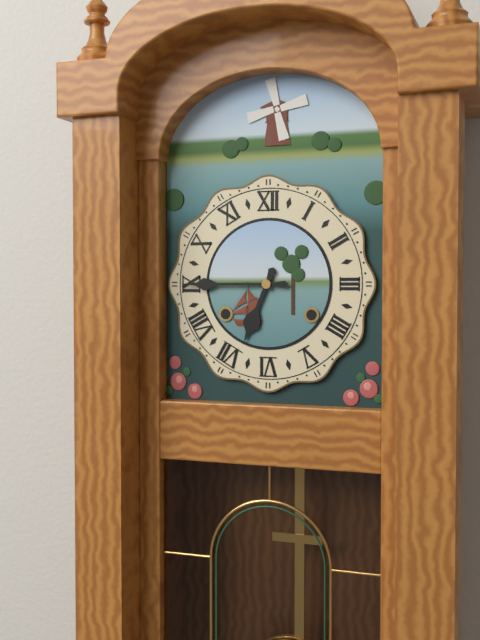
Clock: 6.45
